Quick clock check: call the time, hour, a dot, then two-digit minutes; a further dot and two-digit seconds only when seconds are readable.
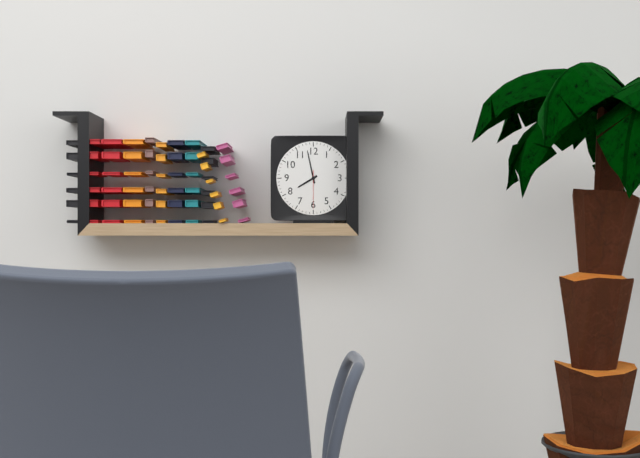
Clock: 7.58
